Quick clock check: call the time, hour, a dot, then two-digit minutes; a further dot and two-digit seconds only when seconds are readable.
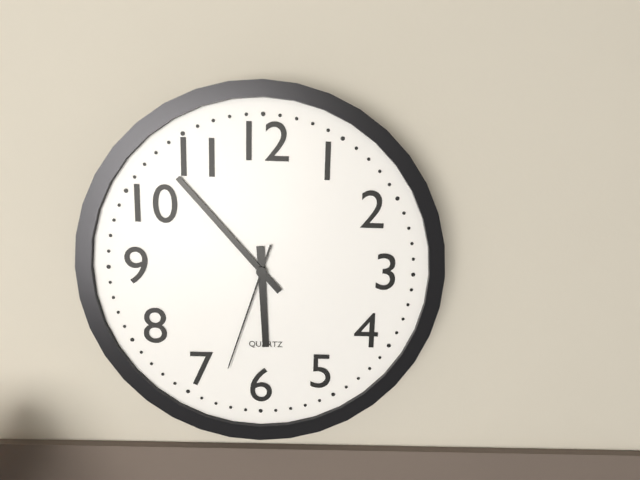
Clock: 5.53.33
